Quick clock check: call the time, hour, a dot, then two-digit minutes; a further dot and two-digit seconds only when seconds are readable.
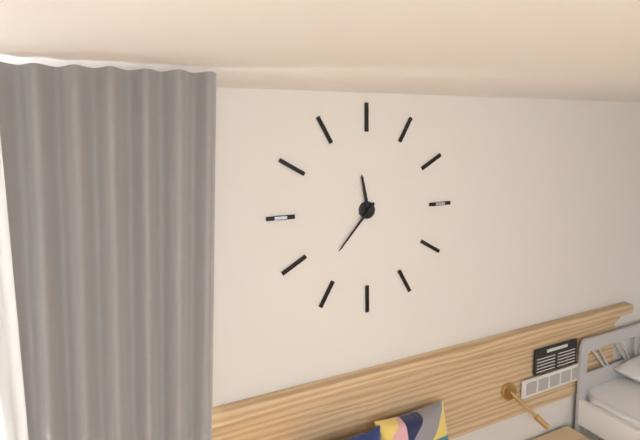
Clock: 11.37
